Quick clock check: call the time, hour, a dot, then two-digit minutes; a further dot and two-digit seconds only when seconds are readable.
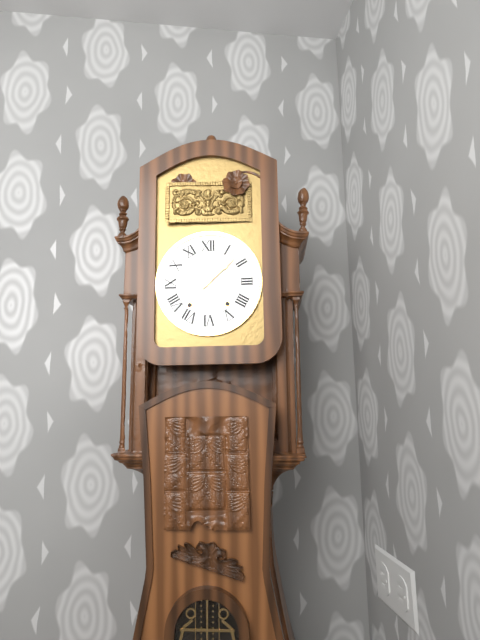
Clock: 11.08
